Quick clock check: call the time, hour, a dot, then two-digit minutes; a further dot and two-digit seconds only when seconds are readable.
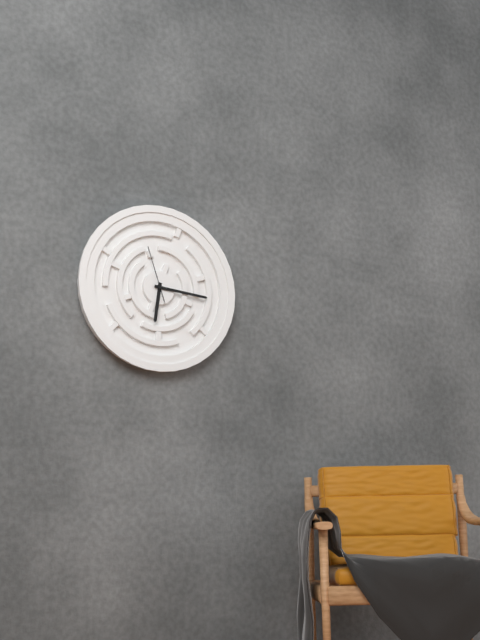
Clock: 6.16.57
